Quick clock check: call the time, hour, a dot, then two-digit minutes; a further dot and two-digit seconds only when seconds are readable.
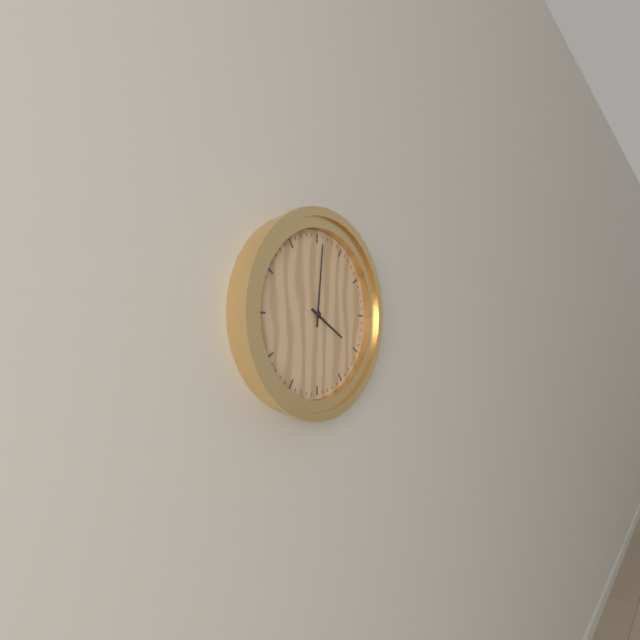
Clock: 4.01
